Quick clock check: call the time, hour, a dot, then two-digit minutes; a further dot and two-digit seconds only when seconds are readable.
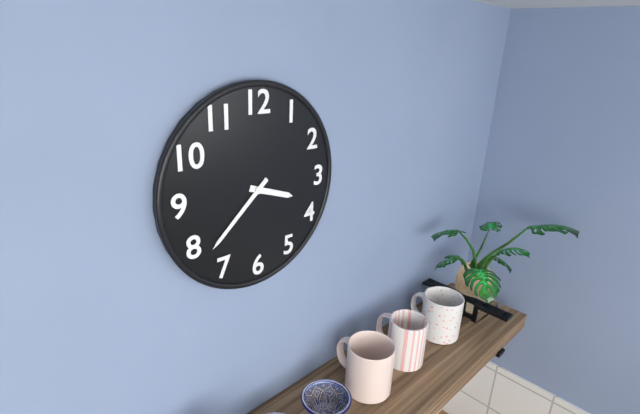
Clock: 3.38
